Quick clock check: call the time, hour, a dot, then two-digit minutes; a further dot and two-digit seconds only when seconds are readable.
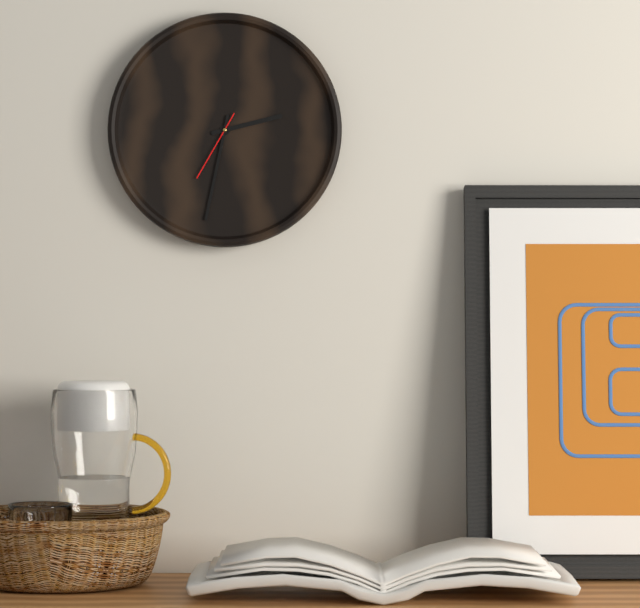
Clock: 2.32.35
